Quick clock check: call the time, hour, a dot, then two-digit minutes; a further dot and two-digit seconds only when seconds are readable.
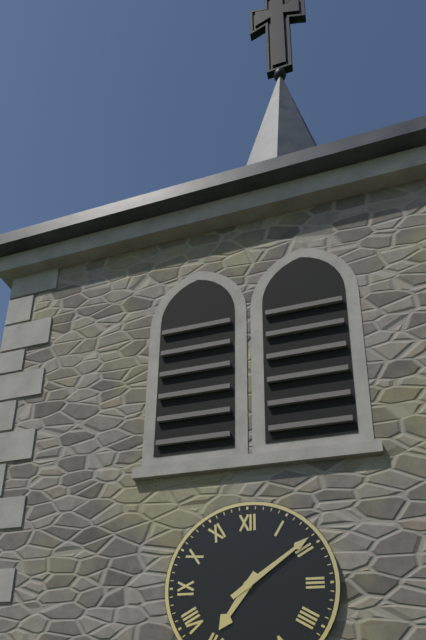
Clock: 7.09
